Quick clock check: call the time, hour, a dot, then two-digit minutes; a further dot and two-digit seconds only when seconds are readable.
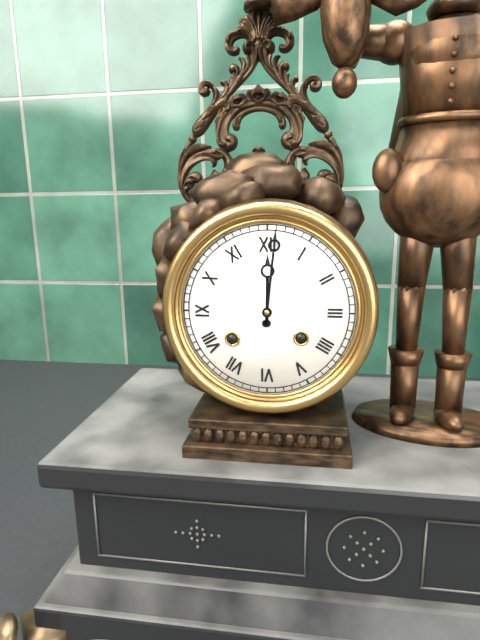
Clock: 12.01
